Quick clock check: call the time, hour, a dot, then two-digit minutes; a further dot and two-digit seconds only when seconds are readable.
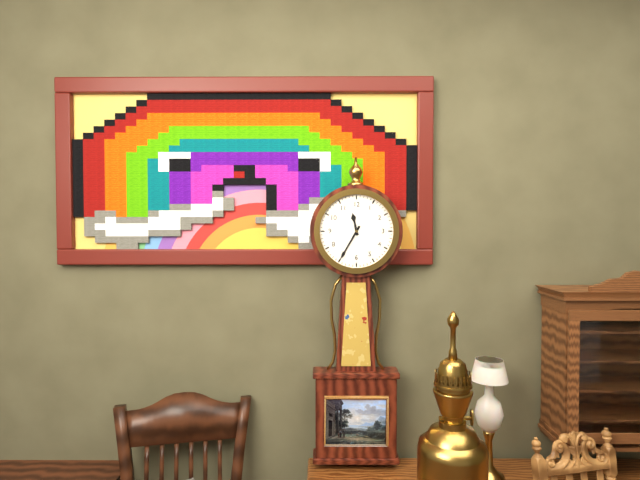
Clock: 11.35
